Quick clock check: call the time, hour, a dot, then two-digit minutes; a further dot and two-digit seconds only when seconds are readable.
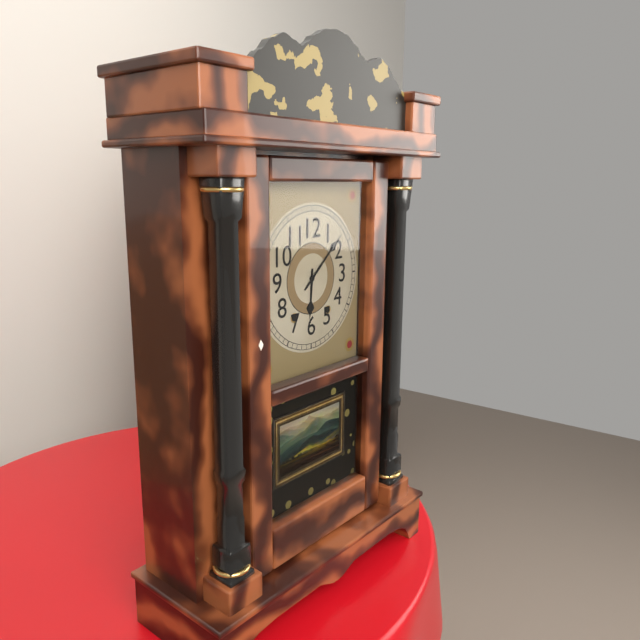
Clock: 6.08
